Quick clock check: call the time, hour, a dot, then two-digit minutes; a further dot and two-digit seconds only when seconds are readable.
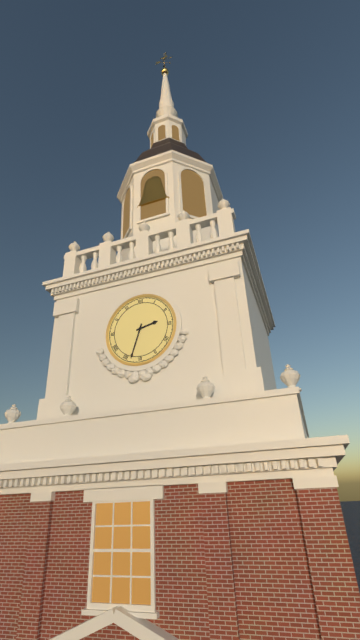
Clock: 2.33
